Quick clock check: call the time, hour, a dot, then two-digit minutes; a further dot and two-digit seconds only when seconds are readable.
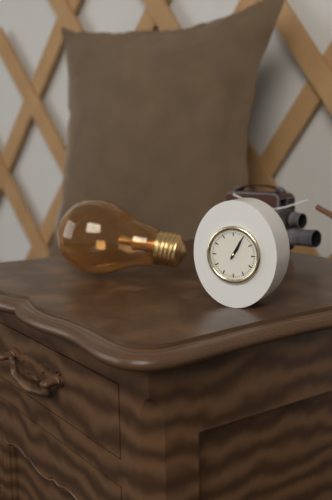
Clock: 1.05
